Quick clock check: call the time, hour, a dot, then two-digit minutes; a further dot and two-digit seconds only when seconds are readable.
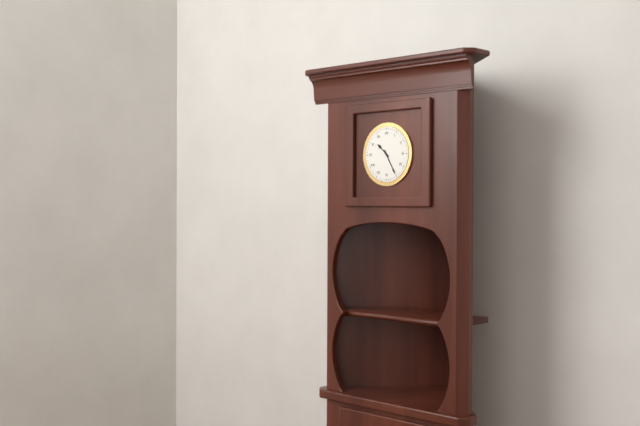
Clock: 10.25
